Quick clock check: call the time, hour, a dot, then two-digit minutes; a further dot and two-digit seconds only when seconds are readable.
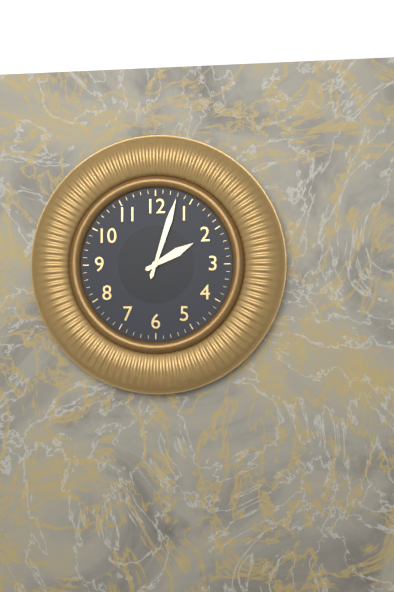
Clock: 2.03
